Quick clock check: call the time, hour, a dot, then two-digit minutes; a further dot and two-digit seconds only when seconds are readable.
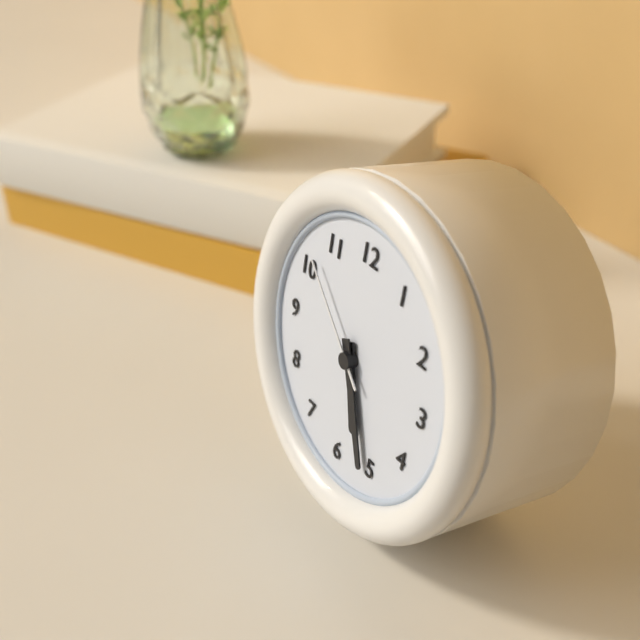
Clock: 5.26.52
